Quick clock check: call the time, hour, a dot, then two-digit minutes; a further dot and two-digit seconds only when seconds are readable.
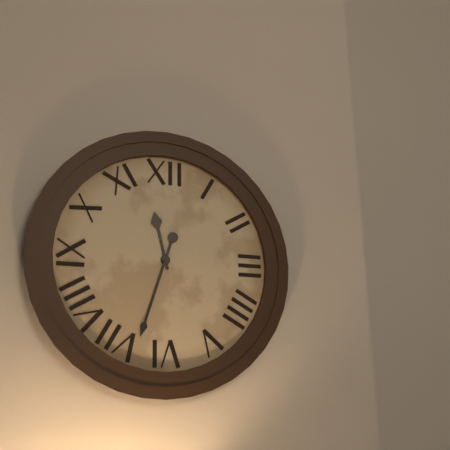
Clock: 11.33
